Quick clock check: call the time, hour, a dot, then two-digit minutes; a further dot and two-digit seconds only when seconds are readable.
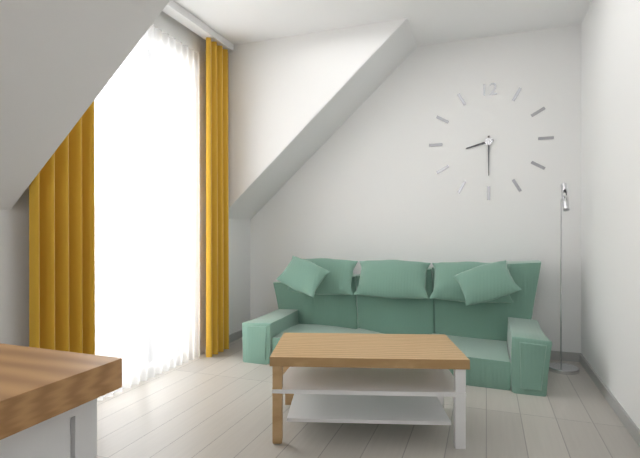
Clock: 8.30
